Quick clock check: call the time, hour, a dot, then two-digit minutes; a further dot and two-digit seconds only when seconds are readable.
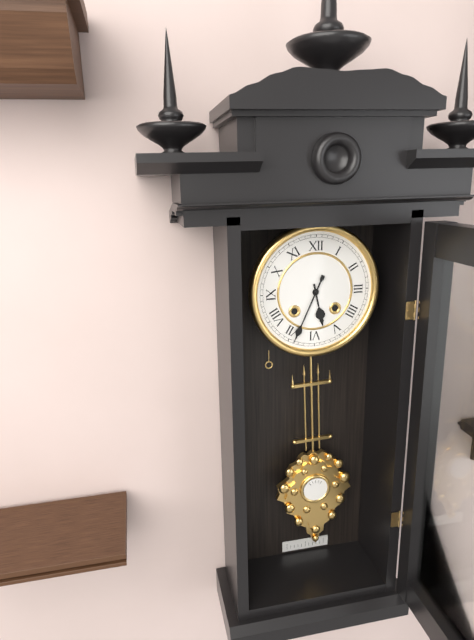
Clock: 5.34
